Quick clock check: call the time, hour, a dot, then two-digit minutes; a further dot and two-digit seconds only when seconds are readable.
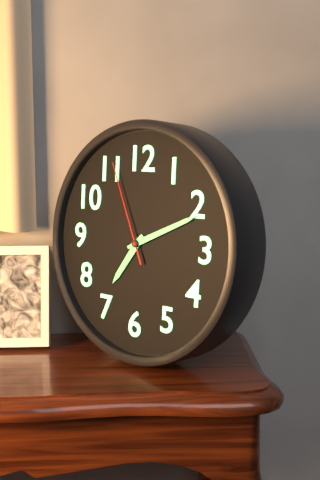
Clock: 7.11.56
